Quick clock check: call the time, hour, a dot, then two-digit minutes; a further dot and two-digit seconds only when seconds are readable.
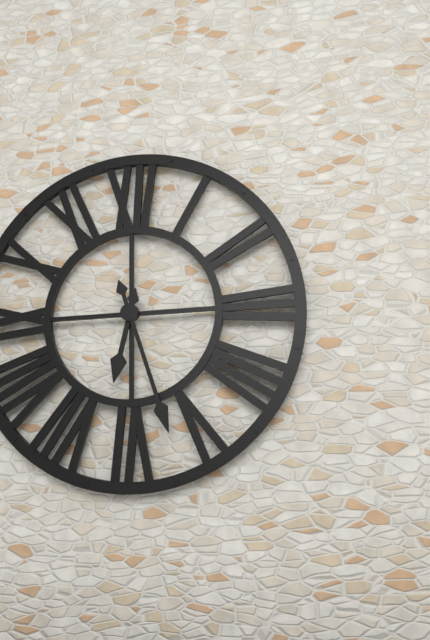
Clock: 6.27
